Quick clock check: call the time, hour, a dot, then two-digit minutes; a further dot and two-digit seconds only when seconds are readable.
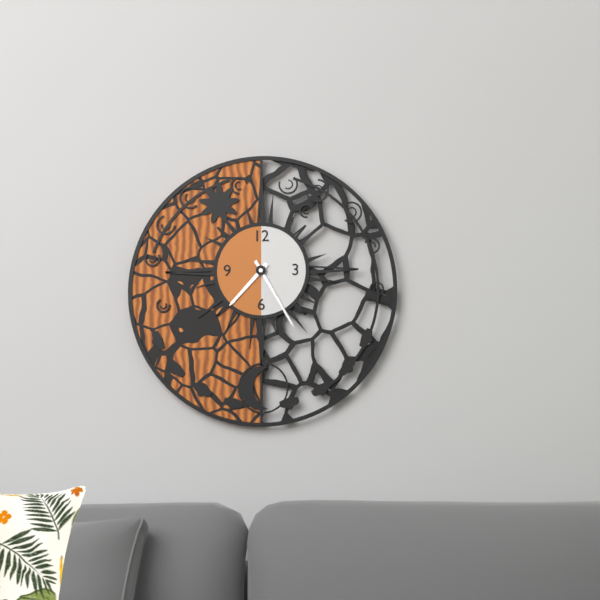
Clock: 7.25
